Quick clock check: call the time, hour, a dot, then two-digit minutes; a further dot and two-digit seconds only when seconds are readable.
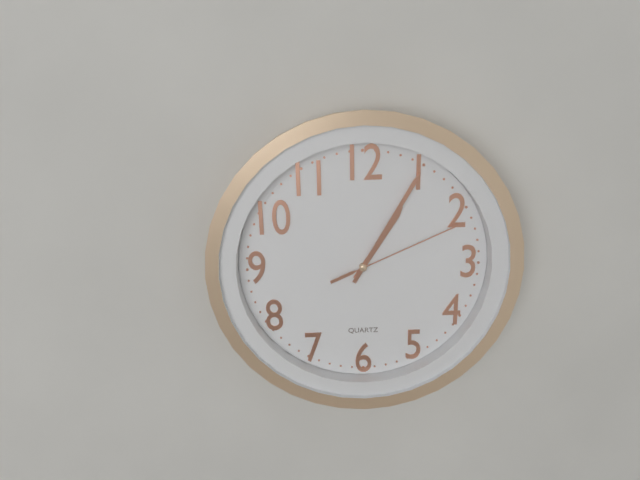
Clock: 1.05.11
